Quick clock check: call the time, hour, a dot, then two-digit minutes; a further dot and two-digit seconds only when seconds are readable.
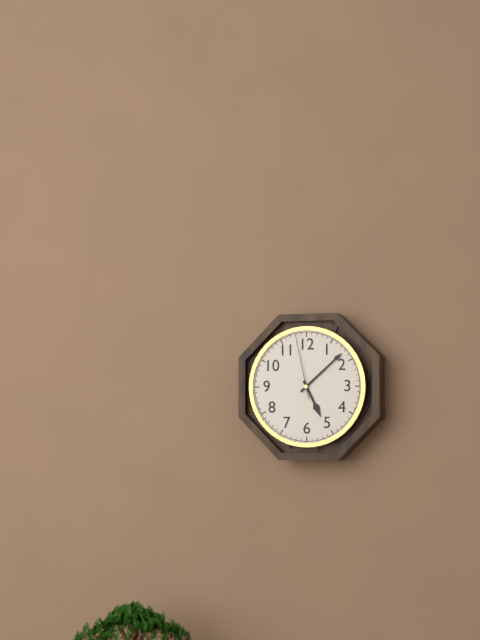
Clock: 5.08.58
